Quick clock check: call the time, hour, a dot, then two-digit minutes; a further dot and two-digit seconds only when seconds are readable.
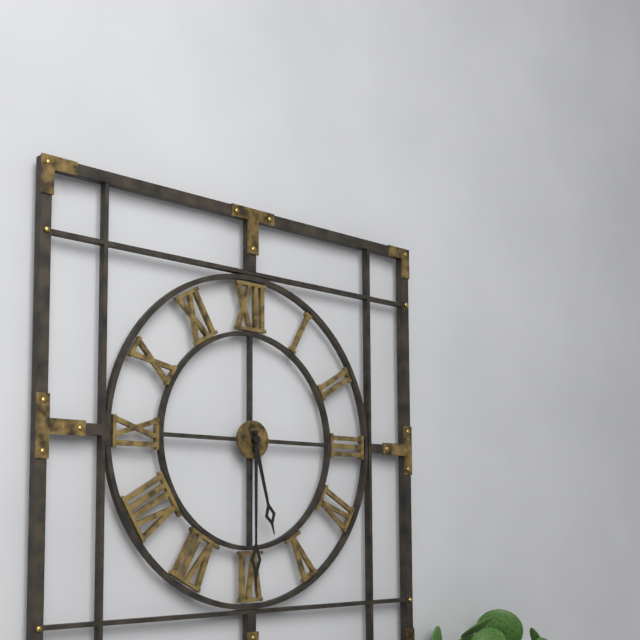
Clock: 5.30
